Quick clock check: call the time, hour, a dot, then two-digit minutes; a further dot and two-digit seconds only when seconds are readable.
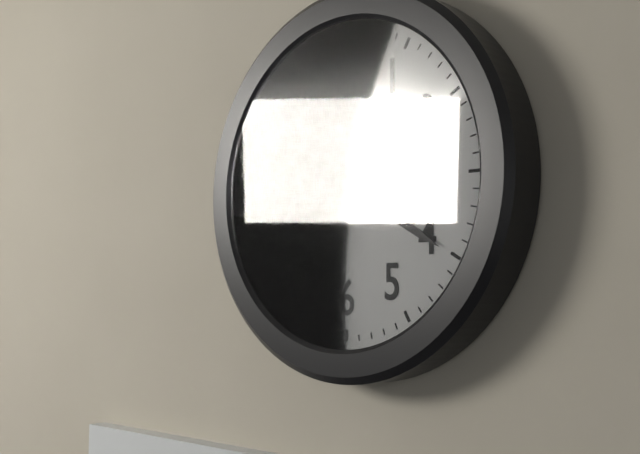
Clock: 10.20
